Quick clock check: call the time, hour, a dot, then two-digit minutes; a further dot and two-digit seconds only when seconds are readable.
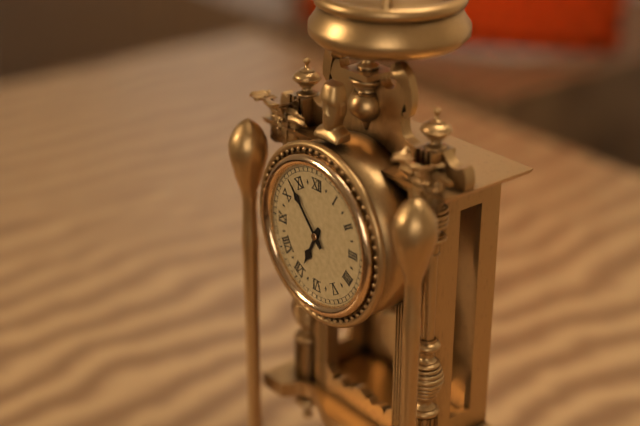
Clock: 6.53
